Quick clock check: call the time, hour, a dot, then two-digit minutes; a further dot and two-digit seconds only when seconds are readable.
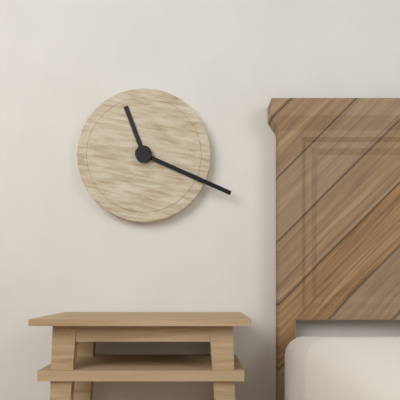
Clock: 11.19
